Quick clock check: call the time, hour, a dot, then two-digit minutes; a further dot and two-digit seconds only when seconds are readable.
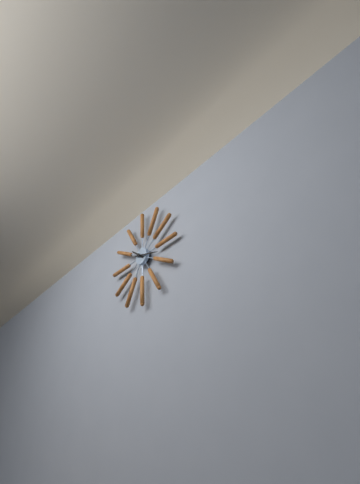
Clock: 10.18
